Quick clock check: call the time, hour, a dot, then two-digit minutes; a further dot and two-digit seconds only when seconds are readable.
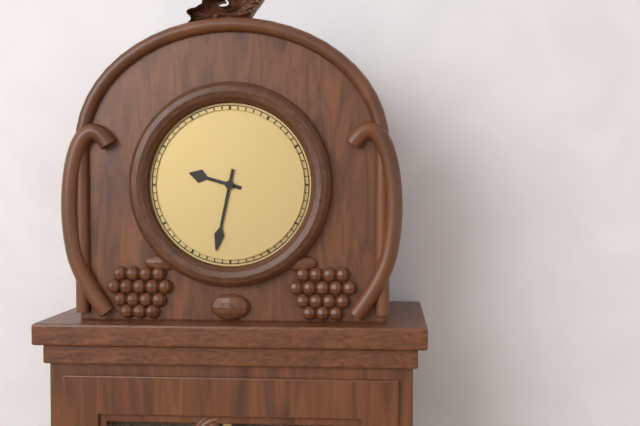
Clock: 9.32
